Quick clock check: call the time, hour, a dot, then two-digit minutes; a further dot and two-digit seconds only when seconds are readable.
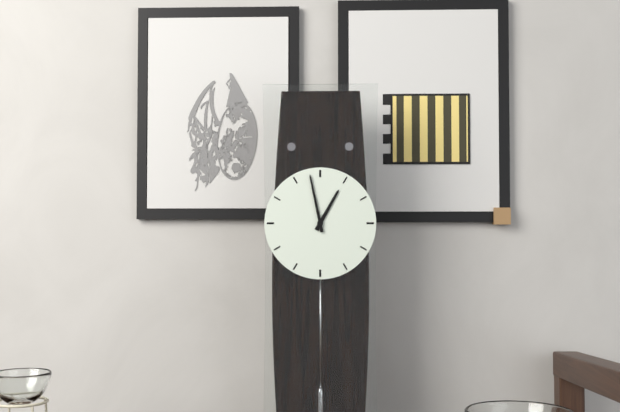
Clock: 12.58
